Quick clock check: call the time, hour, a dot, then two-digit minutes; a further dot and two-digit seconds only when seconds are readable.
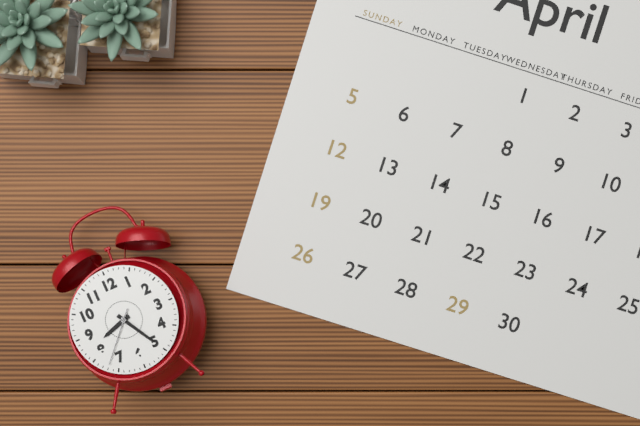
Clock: 8.25.37
